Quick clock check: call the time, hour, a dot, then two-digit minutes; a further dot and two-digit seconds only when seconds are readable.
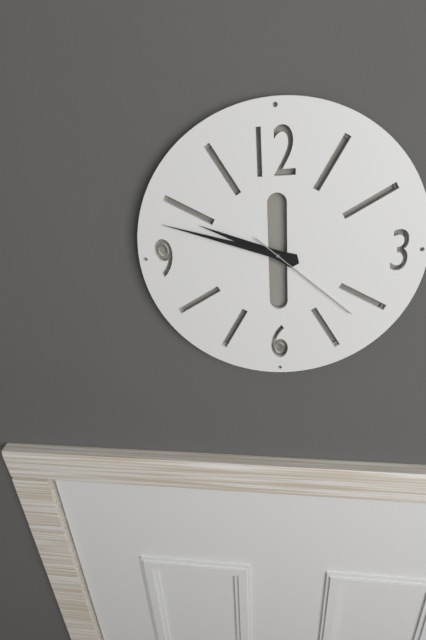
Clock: 9.48.22
